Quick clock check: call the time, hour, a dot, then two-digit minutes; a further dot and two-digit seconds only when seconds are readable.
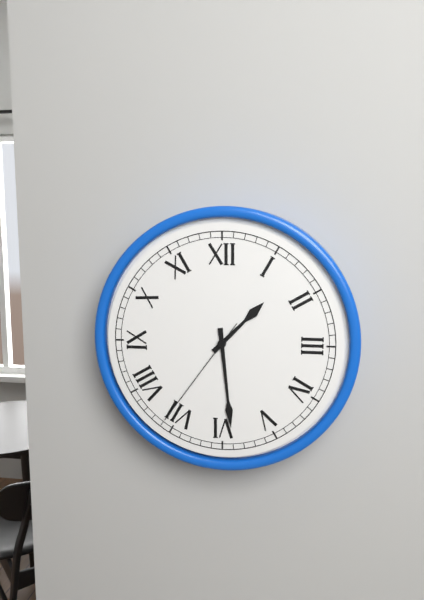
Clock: 1.29.36
